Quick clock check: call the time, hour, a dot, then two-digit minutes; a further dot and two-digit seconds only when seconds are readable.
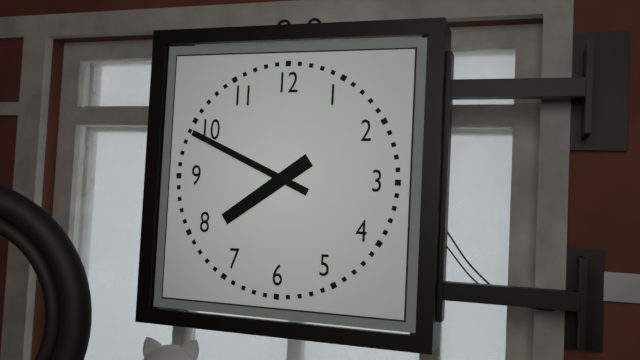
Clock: 7.49
